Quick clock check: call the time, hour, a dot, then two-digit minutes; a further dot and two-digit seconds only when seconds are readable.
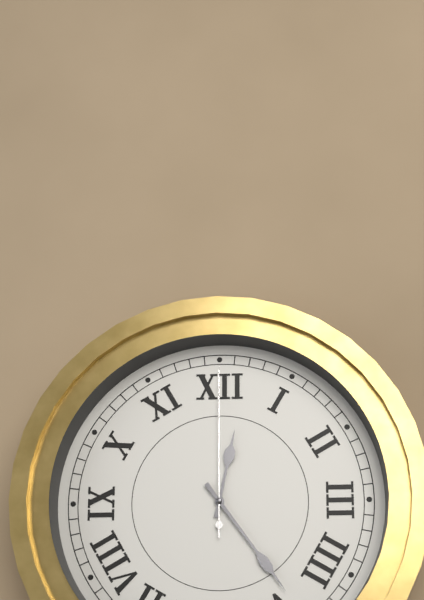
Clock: 12.24.00
